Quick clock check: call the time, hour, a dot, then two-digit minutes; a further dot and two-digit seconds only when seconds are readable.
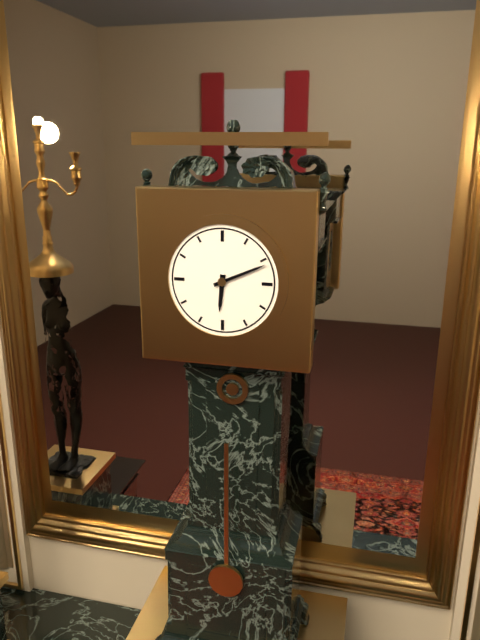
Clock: 6.11
